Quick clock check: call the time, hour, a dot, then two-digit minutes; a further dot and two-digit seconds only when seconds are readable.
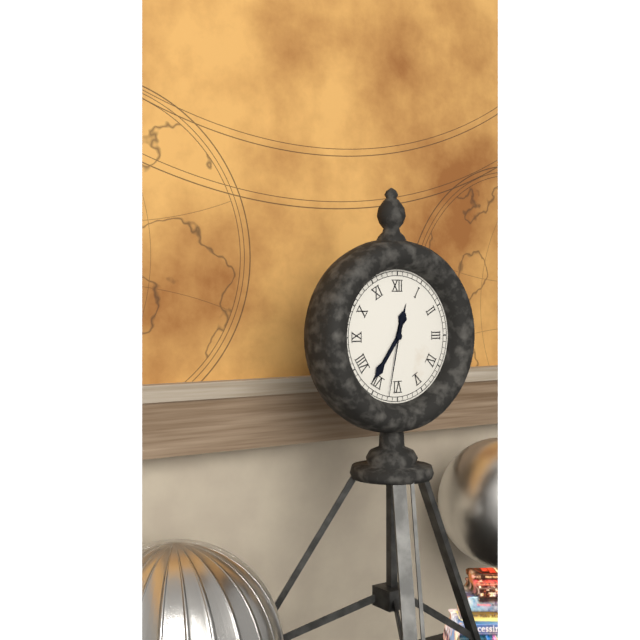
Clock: 12.36.32
